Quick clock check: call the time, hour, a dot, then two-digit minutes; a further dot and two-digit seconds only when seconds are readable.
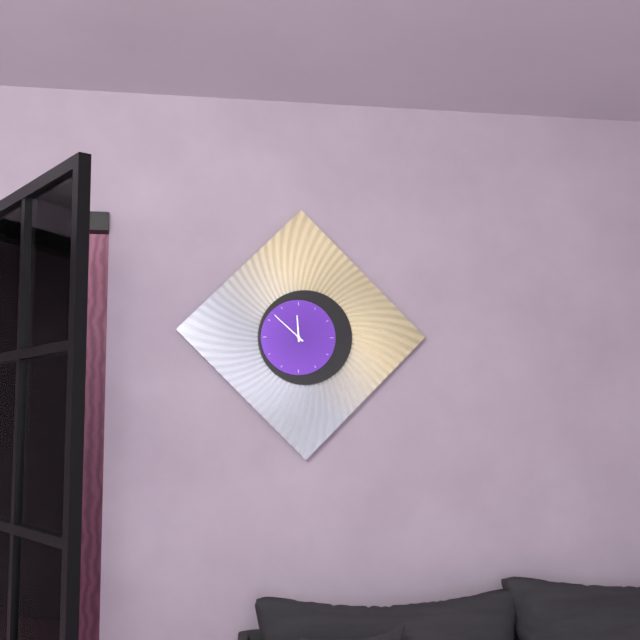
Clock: 11.52
